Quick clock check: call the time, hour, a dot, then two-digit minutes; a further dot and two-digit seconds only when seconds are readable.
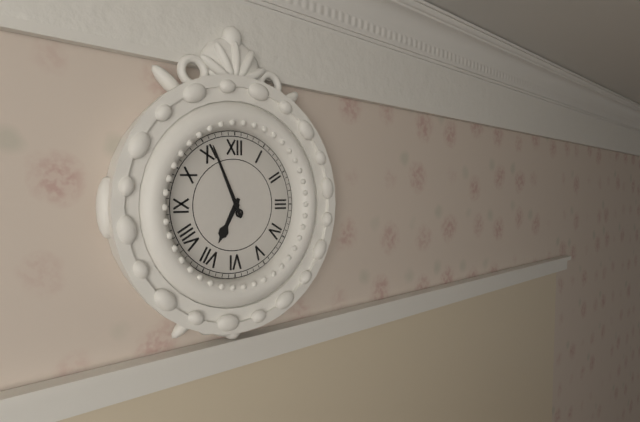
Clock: 6.56
